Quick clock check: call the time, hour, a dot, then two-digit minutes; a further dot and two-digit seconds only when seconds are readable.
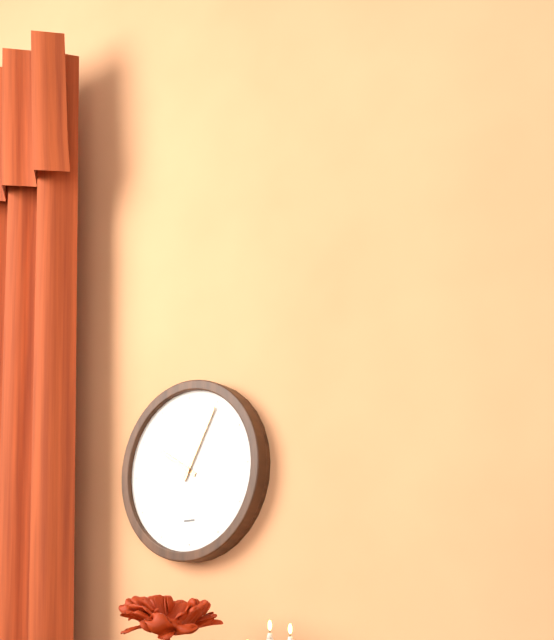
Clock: 10.05
